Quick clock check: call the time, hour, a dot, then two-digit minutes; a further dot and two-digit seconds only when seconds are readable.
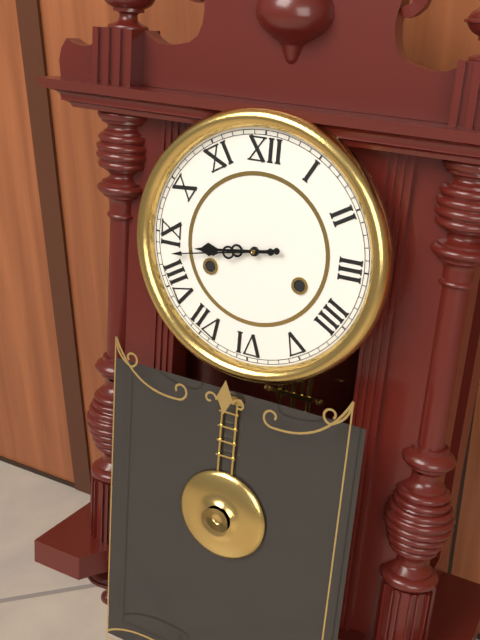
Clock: 8.43
